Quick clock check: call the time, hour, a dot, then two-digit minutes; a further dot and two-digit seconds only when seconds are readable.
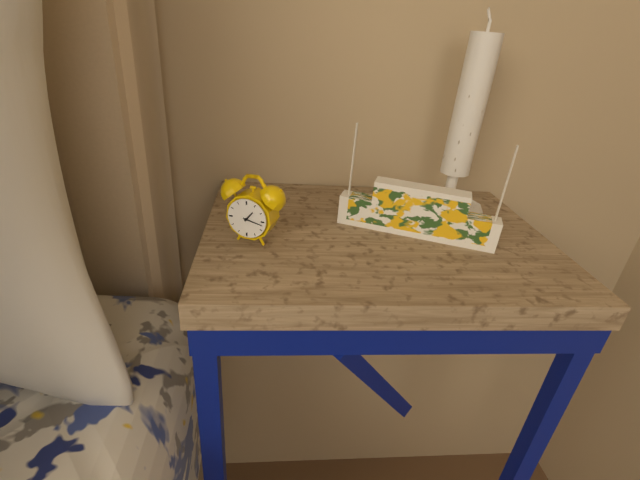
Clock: 1.17
